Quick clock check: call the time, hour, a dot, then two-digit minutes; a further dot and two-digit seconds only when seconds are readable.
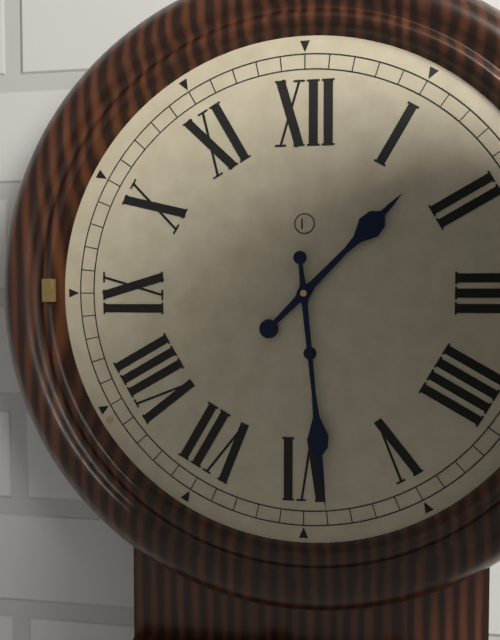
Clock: 1.29
